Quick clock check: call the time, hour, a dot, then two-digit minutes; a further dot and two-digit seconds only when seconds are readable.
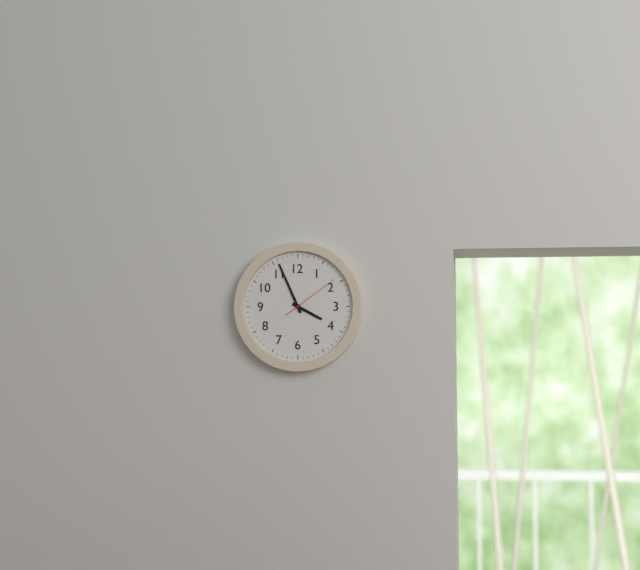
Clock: 3.56.09
